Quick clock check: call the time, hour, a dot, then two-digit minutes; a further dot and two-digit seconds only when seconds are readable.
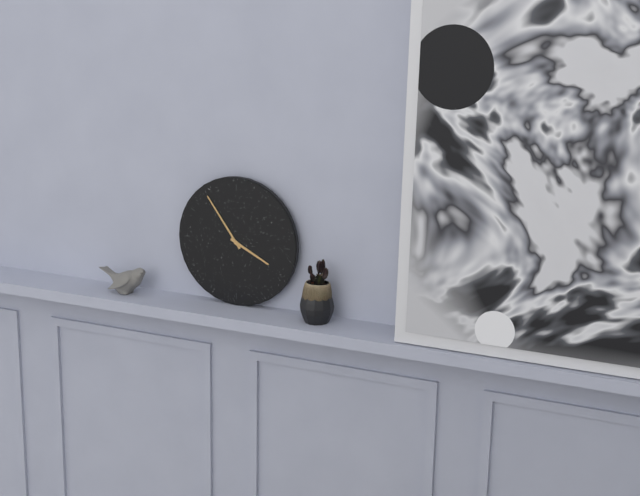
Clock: 3.54
